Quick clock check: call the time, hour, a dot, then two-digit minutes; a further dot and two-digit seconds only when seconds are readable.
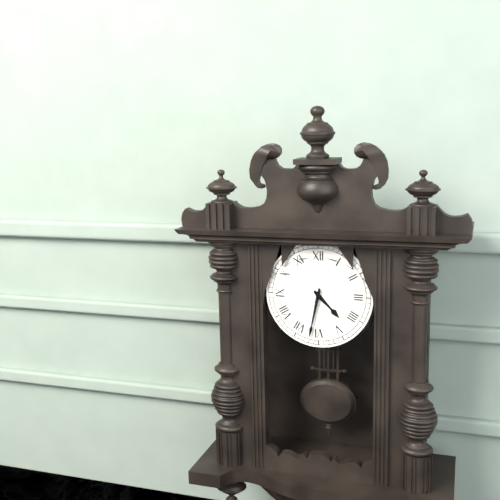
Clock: 4.32
